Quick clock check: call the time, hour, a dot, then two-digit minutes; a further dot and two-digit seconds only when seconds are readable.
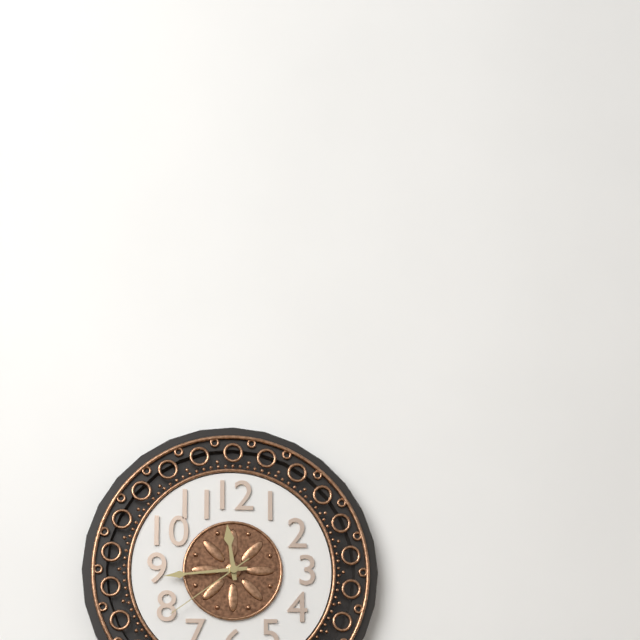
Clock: 11.44.39
